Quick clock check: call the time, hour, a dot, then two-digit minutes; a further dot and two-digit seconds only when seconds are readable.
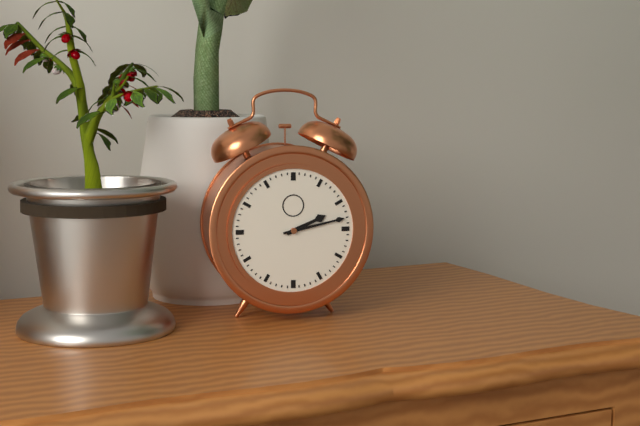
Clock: 2.13
